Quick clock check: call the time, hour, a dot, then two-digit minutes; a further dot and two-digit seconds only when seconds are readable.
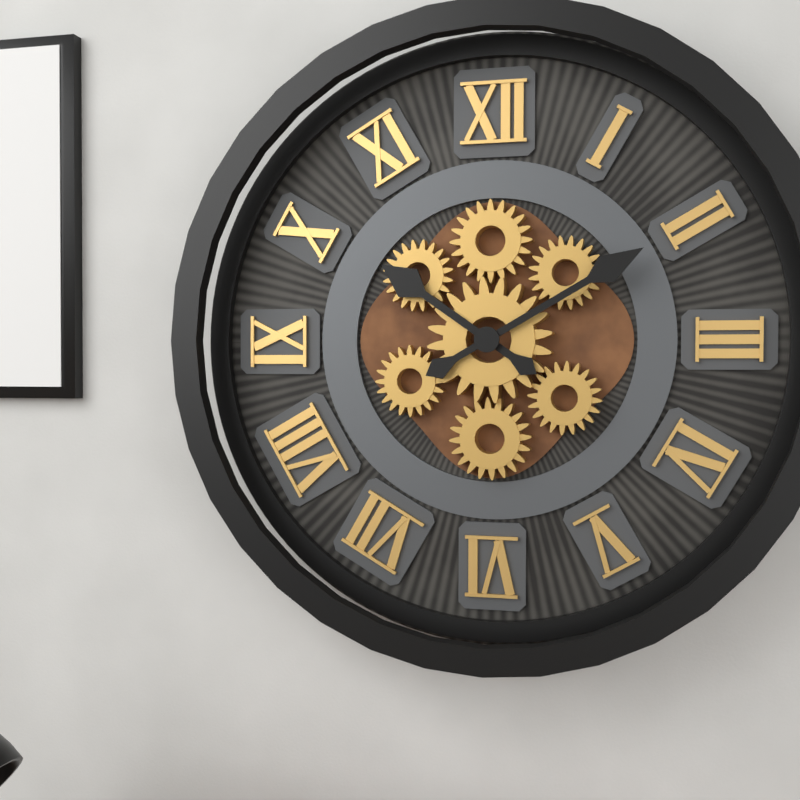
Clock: 10.10
